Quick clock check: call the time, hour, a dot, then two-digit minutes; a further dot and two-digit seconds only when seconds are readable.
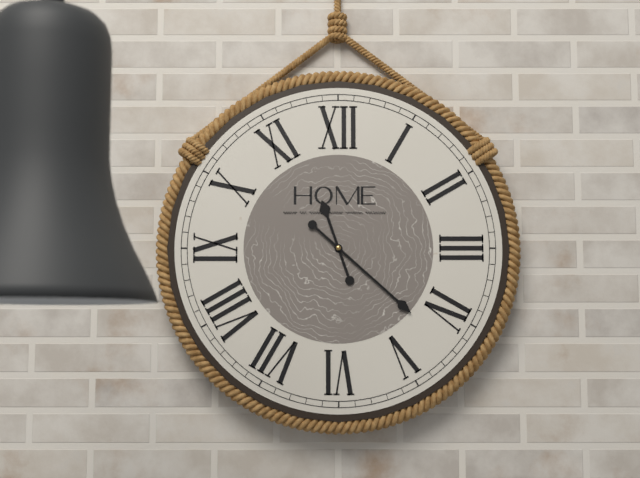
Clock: 11.22
